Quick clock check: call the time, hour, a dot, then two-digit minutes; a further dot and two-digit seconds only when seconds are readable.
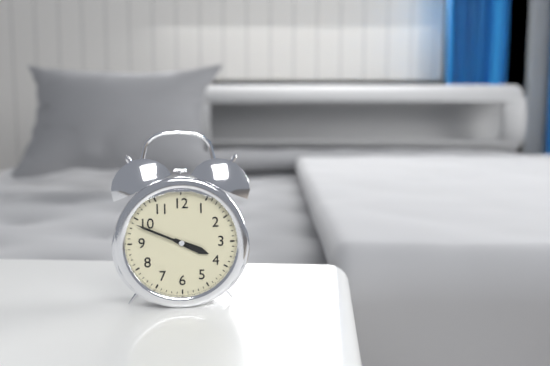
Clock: 3.49
